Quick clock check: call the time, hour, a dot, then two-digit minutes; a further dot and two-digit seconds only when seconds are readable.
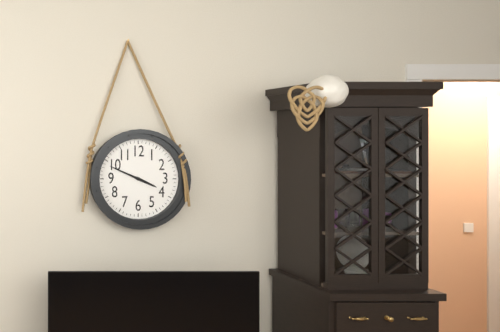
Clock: 3.49
